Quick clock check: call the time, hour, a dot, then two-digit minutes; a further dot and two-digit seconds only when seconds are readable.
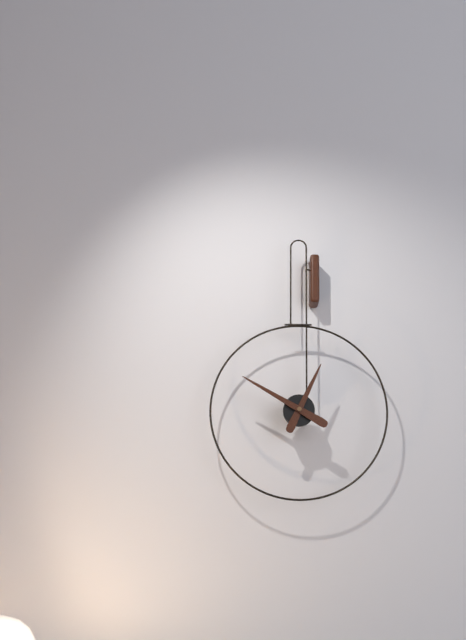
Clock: 12.50
